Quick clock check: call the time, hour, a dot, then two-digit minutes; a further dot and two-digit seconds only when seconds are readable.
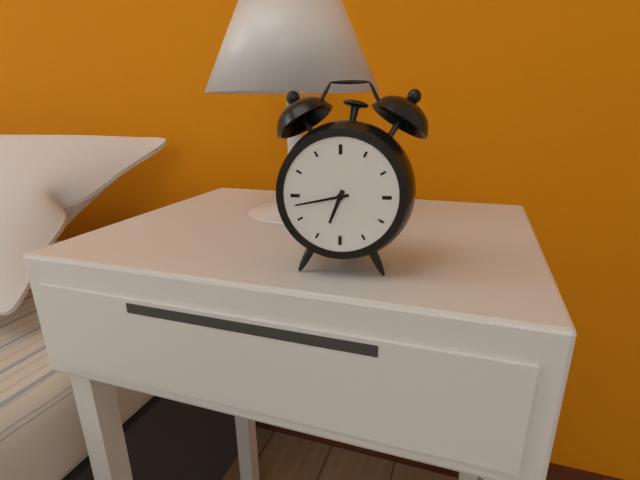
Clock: 6.43
